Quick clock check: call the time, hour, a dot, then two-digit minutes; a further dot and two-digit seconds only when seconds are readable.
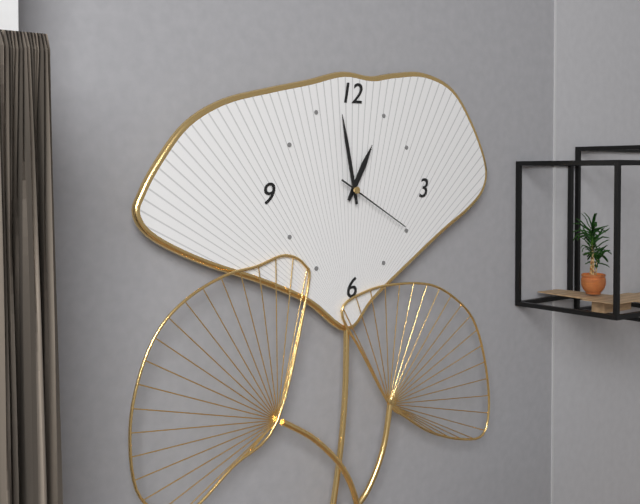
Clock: 12.58.20
